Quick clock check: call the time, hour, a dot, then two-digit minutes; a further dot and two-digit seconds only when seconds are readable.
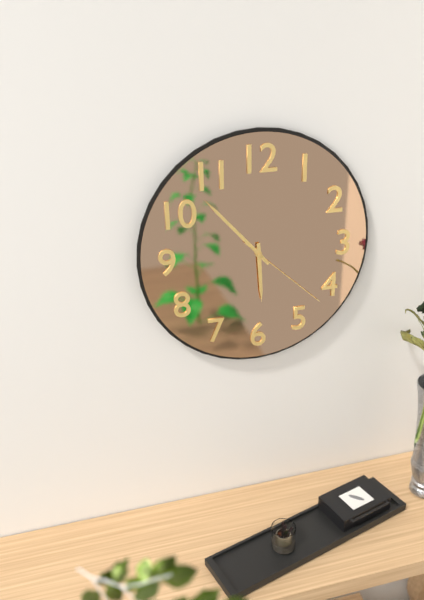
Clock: 5.53.22
